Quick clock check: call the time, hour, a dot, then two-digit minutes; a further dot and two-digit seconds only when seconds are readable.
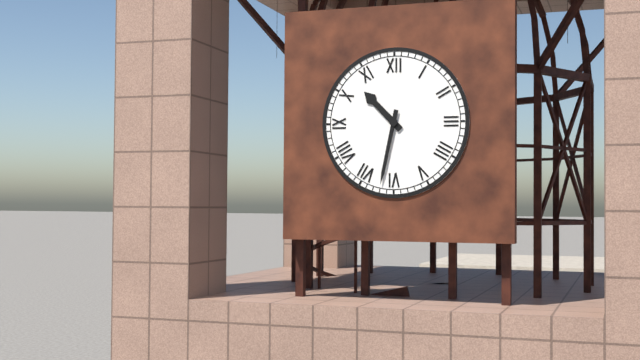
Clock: 10.32
